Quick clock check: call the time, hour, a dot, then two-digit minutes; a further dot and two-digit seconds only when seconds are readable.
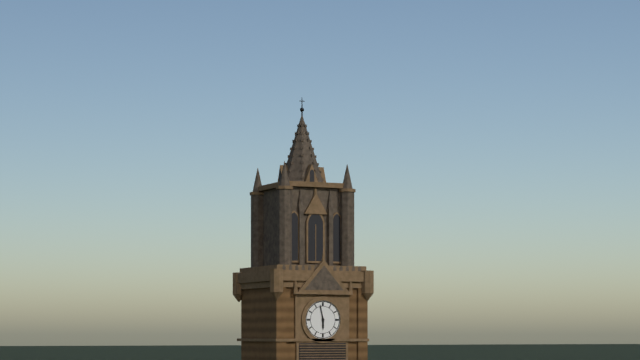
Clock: 5.58
